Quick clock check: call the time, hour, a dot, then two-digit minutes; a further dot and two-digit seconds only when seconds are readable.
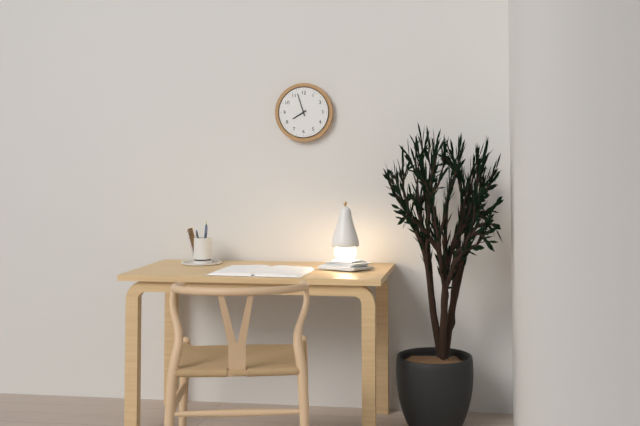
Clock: 7.57
